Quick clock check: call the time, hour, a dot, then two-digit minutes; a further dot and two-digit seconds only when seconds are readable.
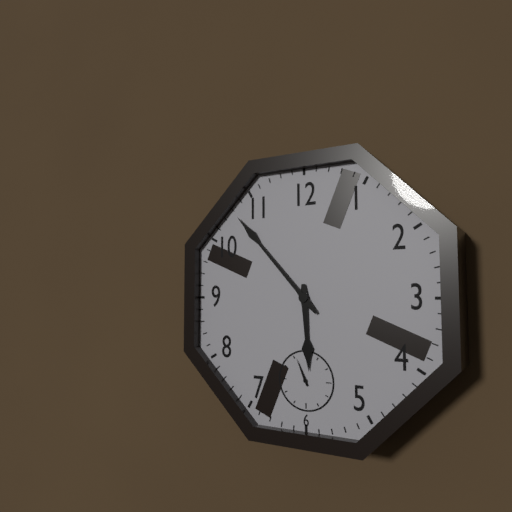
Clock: 5.53
